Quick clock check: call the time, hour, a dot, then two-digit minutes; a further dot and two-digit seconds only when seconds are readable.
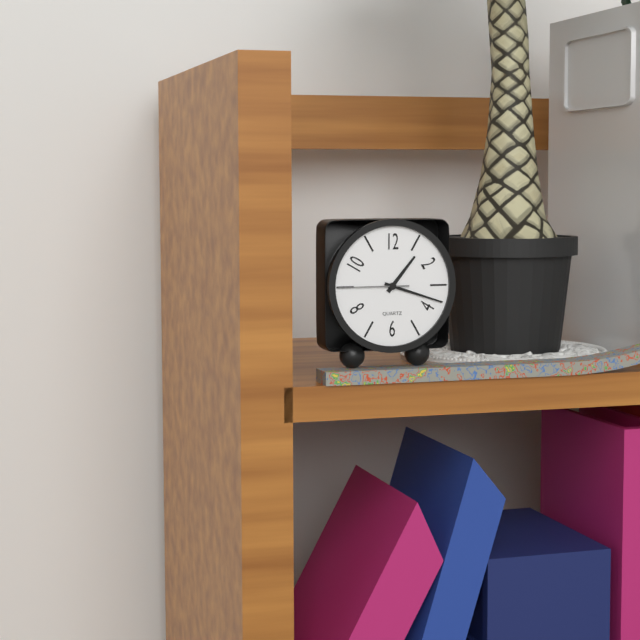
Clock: 1.18.45
